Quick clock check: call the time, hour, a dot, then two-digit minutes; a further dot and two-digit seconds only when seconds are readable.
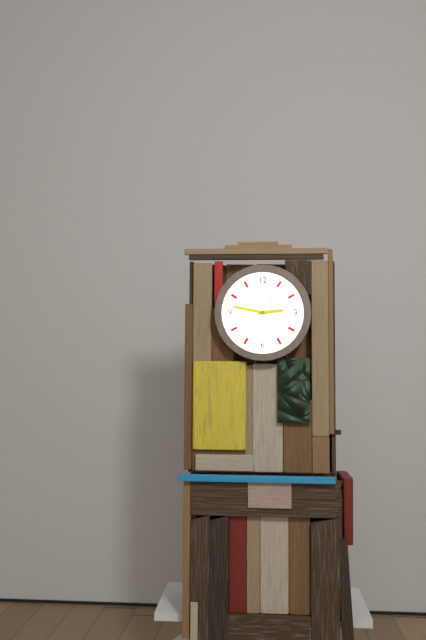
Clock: 2.47
